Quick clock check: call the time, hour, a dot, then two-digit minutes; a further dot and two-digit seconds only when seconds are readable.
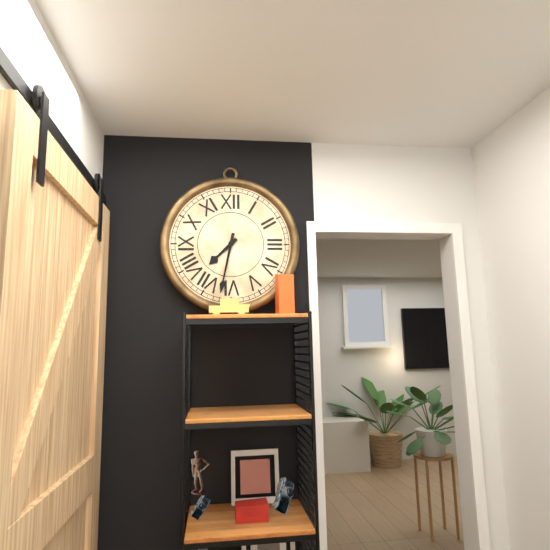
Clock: 7.32
